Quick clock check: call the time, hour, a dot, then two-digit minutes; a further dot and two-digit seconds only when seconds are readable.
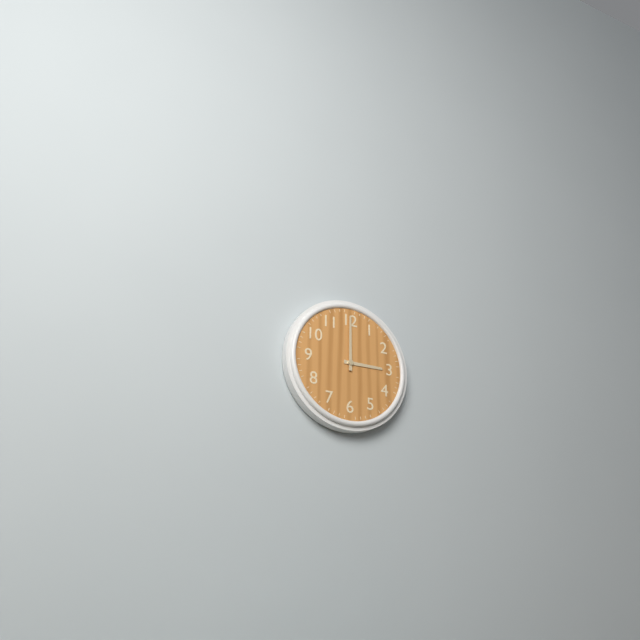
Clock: 3.00
